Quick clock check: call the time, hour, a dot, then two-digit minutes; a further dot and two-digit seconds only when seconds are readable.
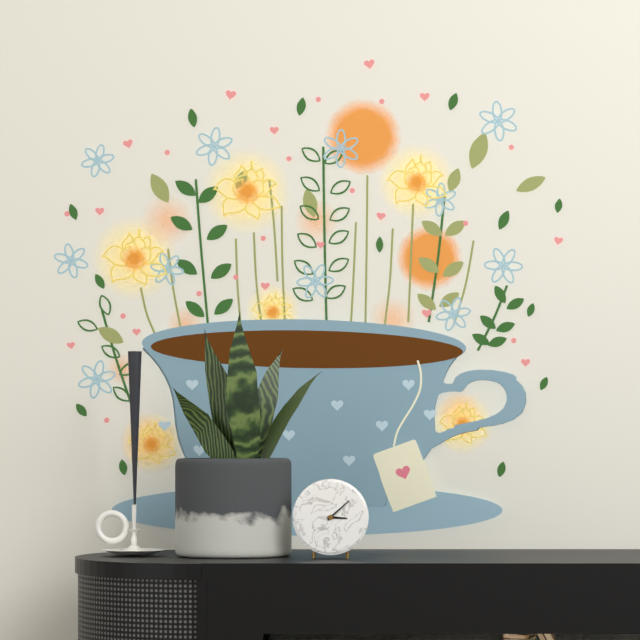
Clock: 3.08
